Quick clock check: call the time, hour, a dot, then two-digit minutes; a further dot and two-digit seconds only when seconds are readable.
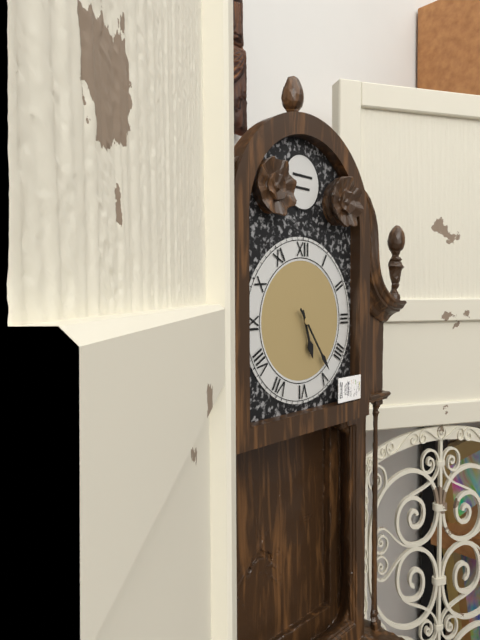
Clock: 5.24
